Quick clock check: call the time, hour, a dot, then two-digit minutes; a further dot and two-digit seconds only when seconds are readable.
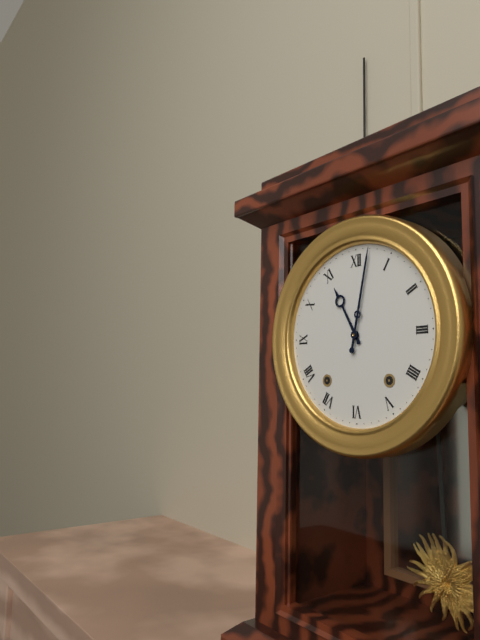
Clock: 11.02
